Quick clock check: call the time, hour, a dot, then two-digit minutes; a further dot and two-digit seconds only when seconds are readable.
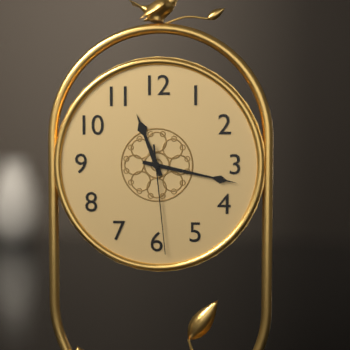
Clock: 11.17.29
